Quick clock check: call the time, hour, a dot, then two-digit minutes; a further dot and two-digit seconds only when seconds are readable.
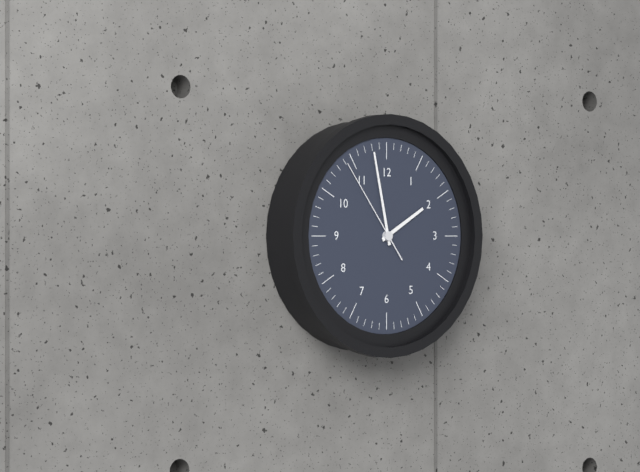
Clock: 1.58.54
